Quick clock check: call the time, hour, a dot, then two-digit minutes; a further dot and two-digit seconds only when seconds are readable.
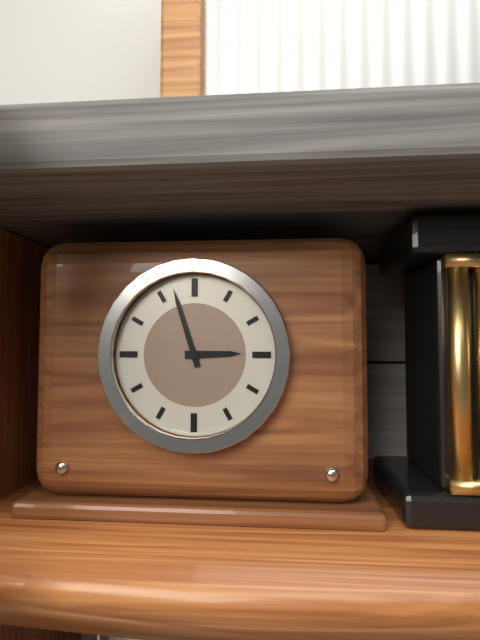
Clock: 2.57
